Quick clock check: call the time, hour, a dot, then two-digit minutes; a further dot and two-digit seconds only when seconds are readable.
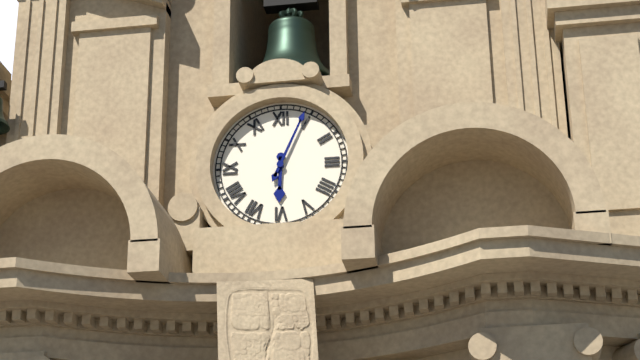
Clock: 6.04
